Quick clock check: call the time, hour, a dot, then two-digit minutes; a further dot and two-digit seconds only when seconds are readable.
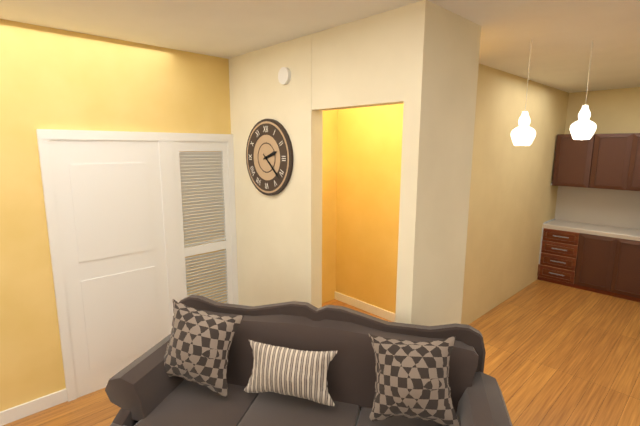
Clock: 2.22
